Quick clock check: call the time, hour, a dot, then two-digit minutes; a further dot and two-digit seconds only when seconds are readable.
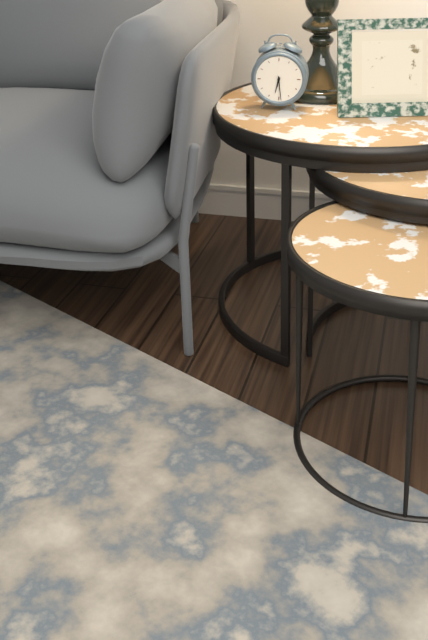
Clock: 6.29
